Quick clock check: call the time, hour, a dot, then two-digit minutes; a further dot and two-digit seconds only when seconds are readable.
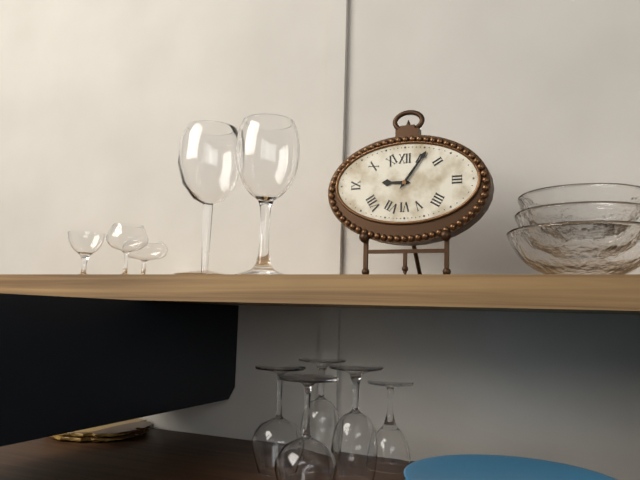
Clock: 9.06
